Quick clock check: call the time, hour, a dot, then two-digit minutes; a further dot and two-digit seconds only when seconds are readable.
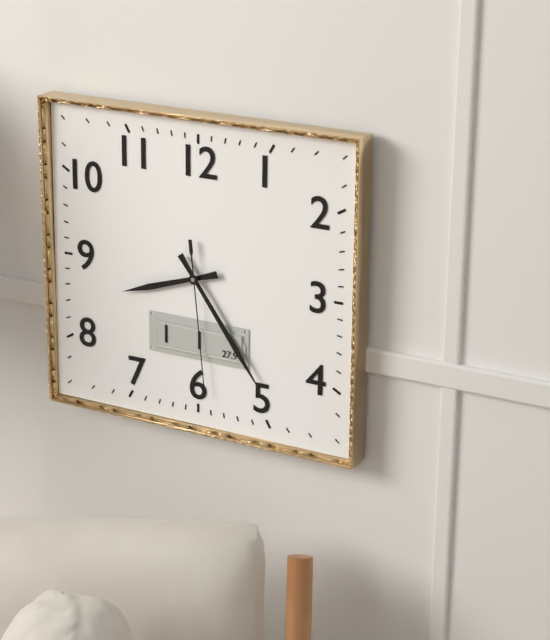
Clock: 8.24.29
